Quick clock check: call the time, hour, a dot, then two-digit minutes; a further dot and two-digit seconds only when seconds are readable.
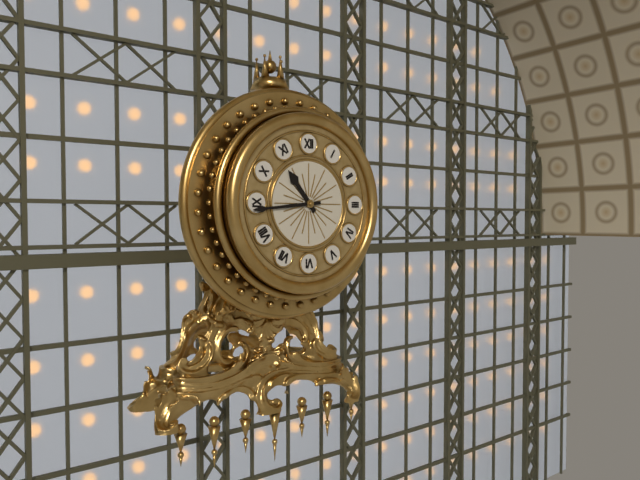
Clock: 10.44
